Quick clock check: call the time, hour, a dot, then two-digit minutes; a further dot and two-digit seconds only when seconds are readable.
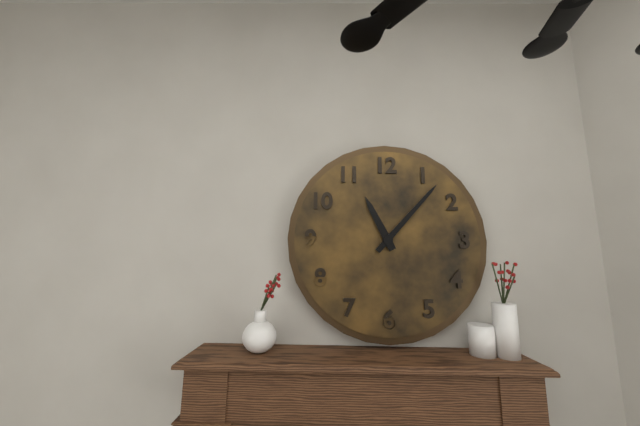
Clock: 11.07
